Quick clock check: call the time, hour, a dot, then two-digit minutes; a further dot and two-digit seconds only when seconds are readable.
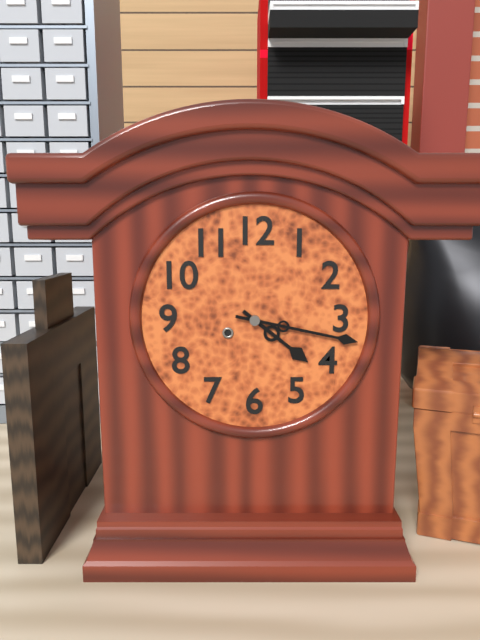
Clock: 4.17
